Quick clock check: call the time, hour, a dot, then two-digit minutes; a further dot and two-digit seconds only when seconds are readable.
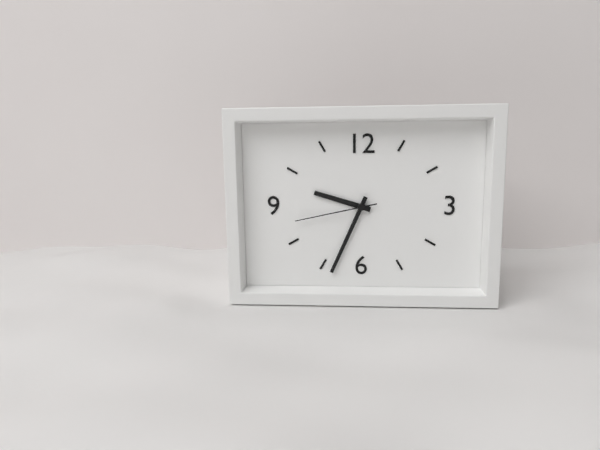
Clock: 9.34.43
